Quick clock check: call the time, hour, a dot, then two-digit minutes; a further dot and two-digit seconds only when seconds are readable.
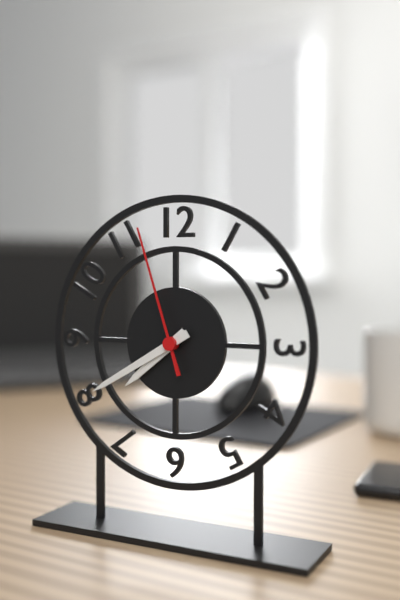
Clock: 7.40.57
